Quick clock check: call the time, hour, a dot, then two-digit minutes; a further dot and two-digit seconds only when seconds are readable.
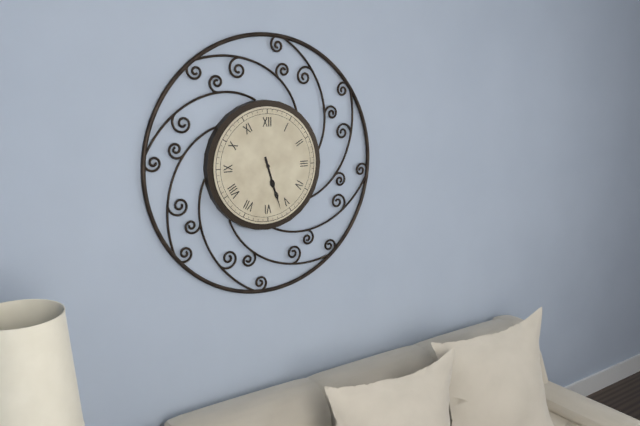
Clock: 5.27
